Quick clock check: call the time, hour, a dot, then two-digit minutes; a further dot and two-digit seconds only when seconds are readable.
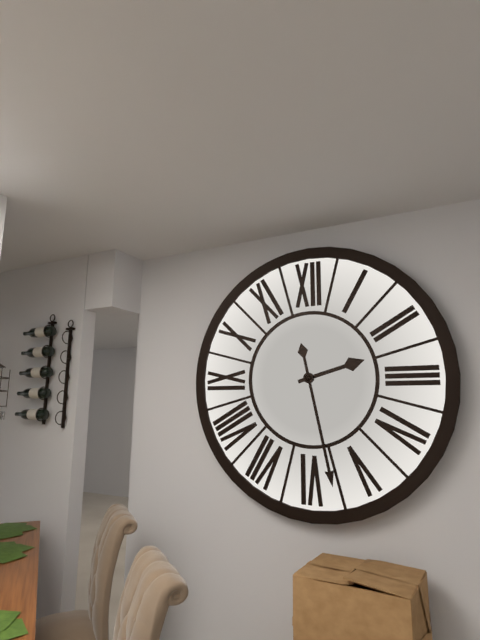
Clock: 2.28
